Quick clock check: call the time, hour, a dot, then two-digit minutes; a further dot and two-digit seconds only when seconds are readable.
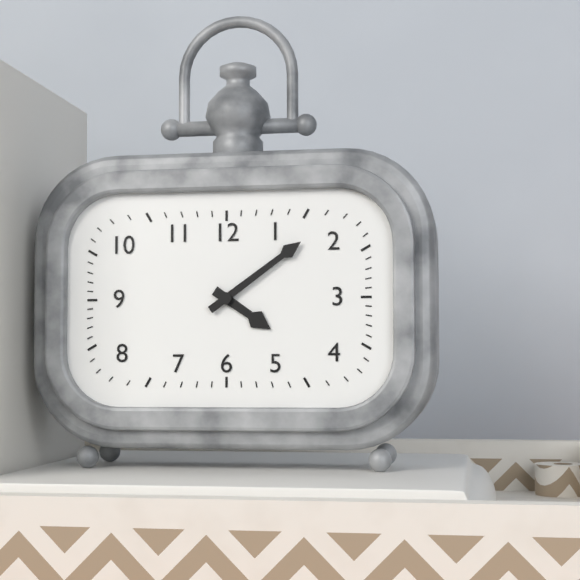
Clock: 4.09
